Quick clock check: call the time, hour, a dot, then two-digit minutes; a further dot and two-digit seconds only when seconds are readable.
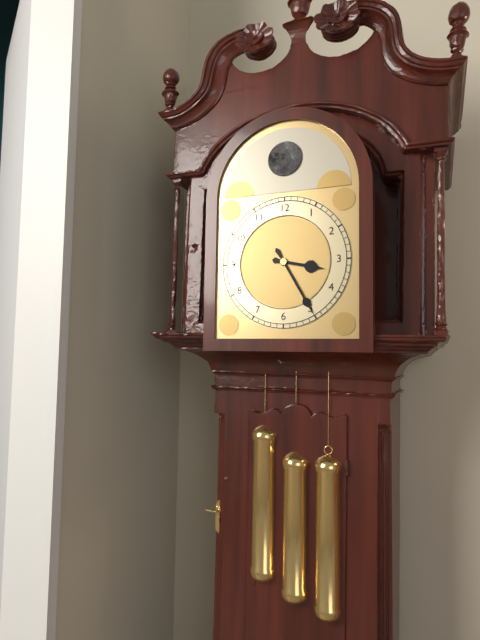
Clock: 3.25
